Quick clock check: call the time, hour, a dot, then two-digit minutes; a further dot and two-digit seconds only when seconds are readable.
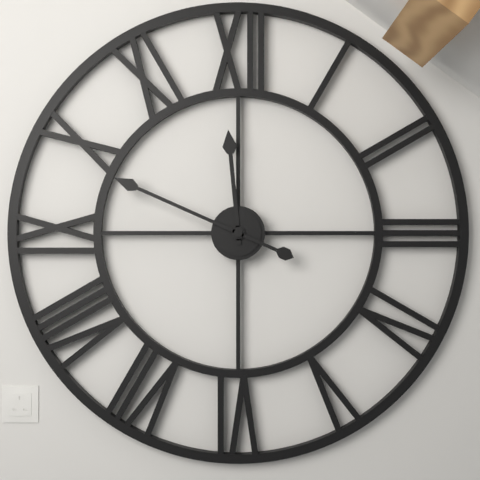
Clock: 11.49
